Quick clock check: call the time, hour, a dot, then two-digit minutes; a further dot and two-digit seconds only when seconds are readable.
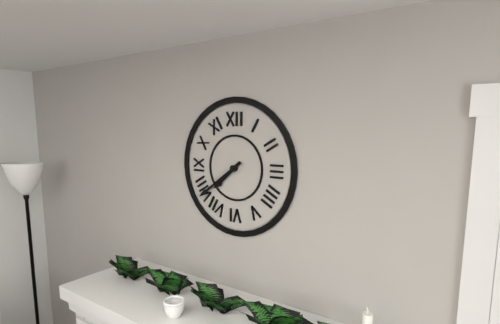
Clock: 7.39
